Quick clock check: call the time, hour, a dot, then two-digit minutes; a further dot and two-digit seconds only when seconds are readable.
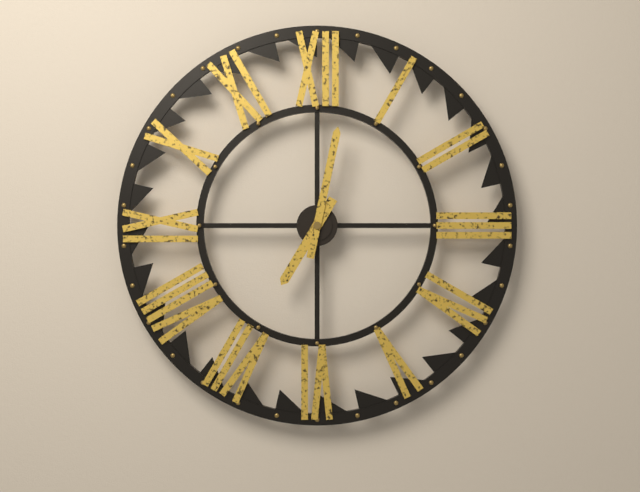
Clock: 7.02
